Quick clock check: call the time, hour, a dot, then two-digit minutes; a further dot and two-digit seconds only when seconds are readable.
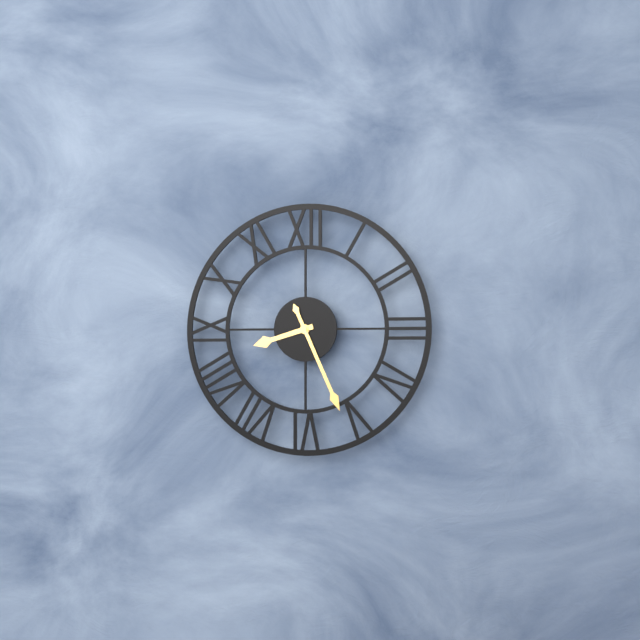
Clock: 8.26
